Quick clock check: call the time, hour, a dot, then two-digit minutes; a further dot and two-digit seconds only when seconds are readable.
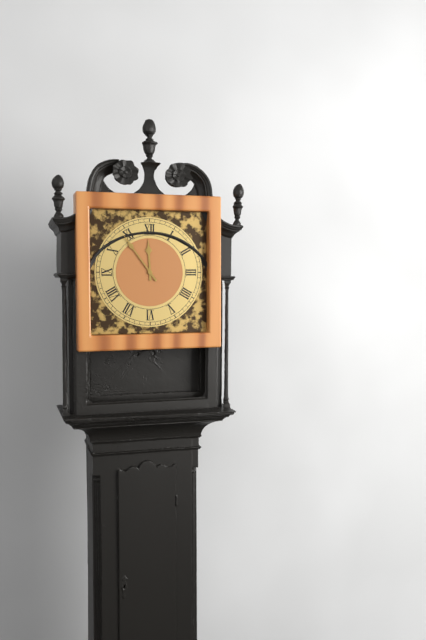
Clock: 11.54
